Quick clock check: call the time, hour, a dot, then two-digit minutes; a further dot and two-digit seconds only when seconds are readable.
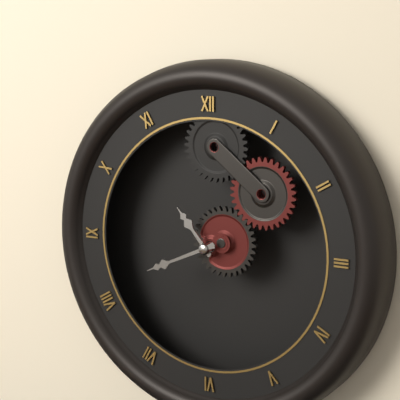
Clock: 10.41
